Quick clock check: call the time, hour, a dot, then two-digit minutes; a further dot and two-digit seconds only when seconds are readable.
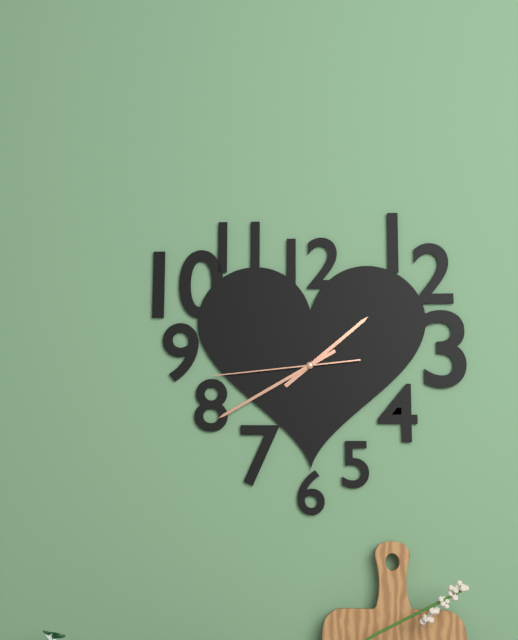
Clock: 1.40.44
